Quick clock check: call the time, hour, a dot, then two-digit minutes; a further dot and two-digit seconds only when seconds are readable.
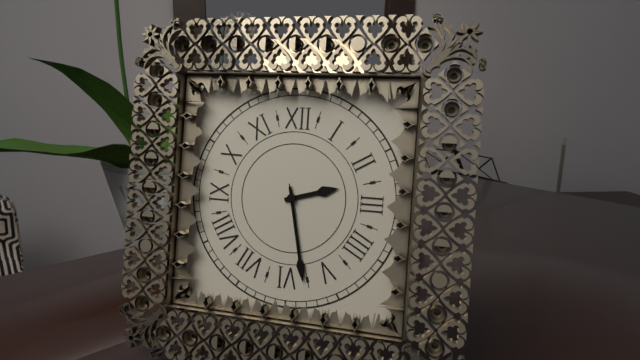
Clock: 2.28.28
